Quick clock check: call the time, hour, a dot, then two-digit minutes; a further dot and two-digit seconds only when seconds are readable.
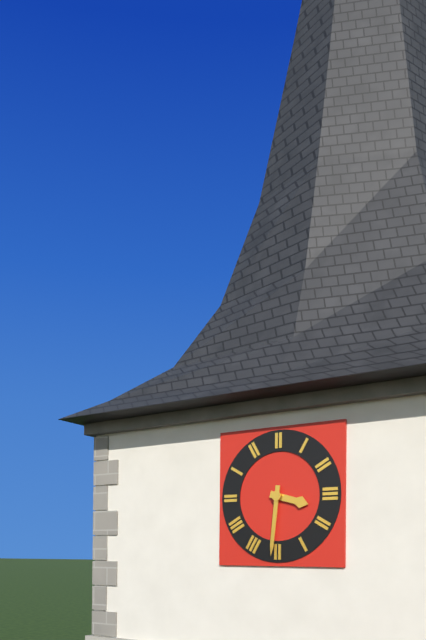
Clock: 3.31
